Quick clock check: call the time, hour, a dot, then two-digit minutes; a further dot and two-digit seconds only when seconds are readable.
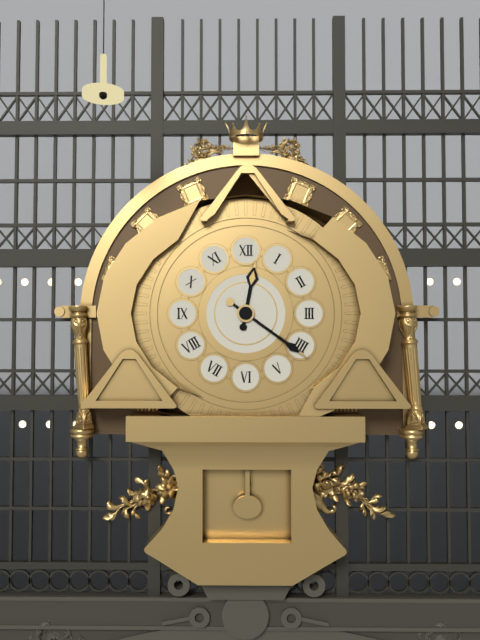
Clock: 12.21
